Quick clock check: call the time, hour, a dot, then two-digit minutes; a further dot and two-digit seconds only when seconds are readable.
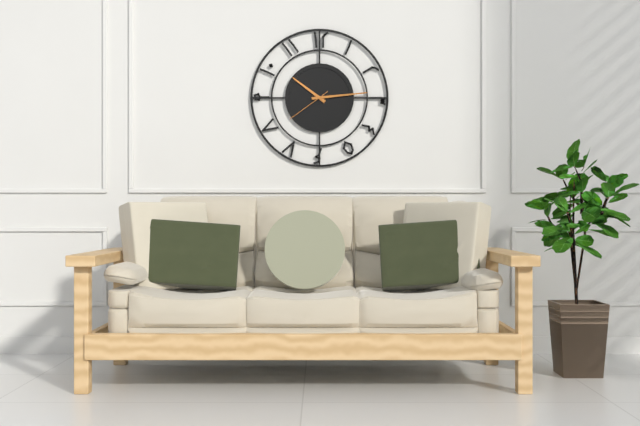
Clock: 10.14
